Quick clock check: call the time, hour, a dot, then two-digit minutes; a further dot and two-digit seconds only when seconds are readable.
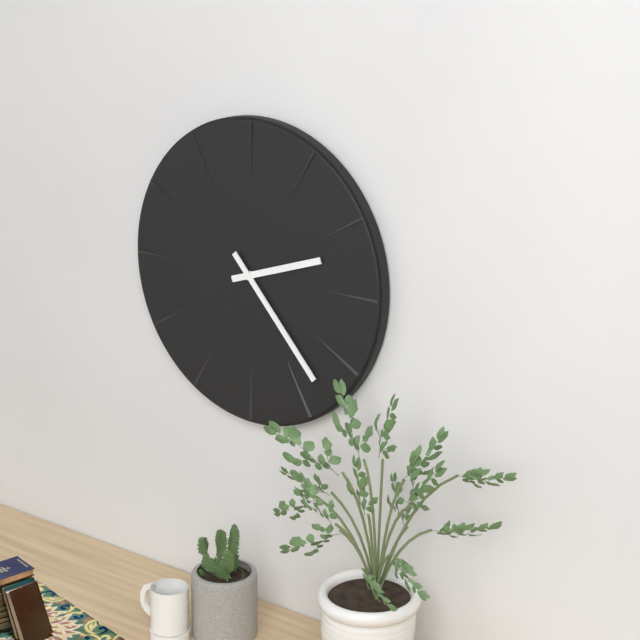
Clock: 2.23
